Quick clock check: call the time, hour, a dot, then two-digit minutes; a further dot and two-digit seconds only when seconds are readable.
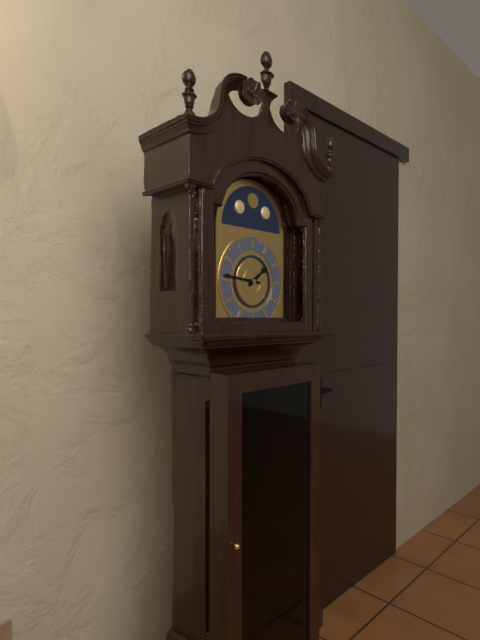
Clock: 1.46
